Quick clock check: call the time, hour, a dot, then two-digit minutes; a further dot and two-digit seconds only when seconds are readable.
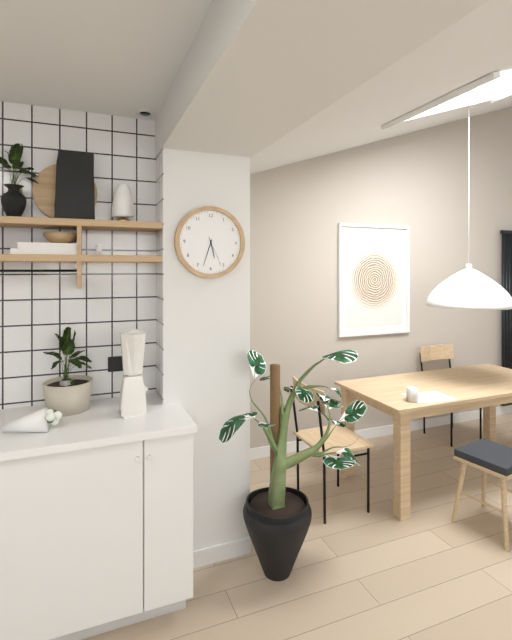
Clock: 5.33
